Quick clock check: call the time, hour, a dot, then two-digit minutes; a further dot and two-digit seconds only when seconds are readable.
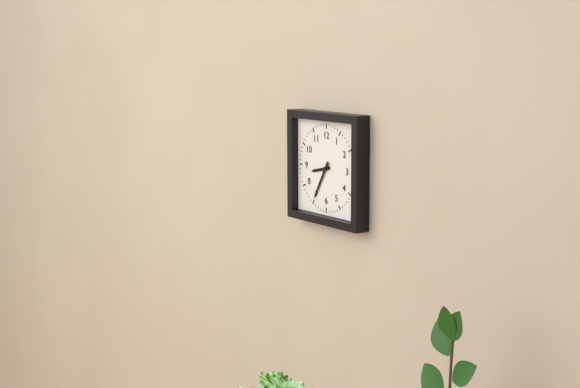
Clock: 8.35
